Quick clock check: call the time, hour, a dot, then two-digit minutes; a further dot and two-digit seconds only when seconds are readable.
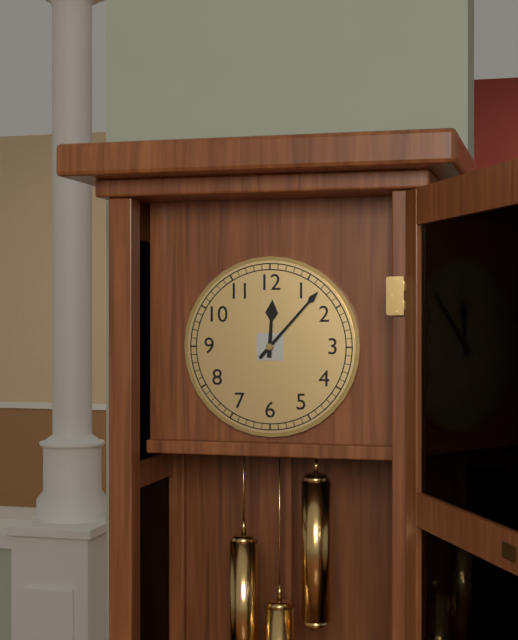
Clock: 12.07
